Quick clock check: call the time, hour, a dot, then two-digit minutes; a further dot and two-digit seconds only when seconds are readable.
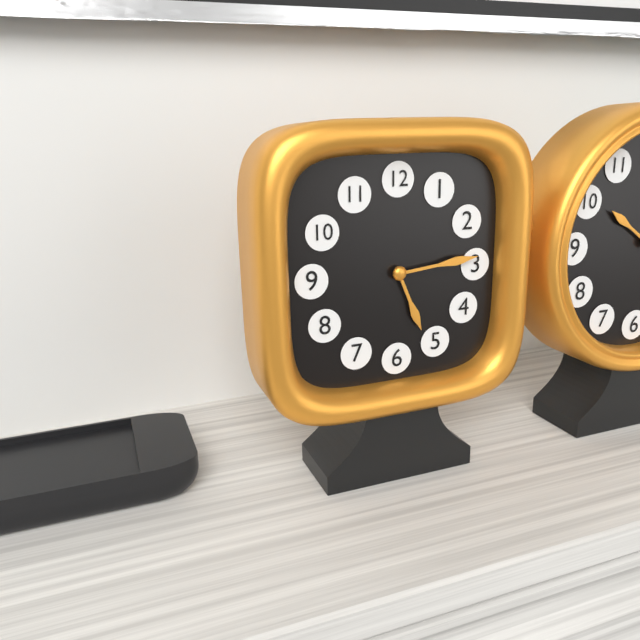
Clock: 5.14
